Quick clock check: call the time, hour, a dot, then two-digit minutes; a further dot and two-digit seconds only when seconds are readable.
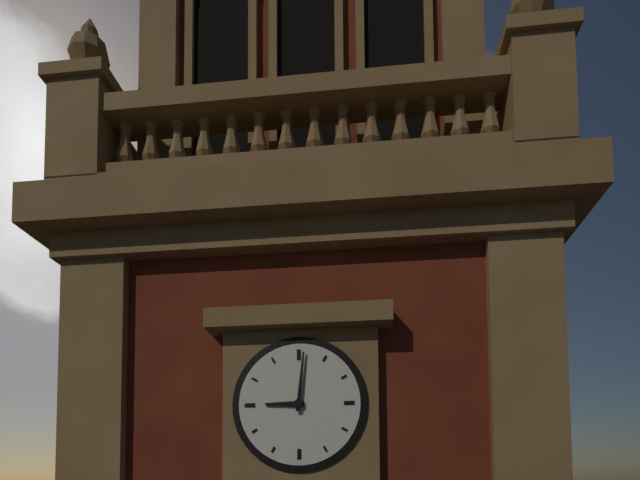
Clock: 9.01
